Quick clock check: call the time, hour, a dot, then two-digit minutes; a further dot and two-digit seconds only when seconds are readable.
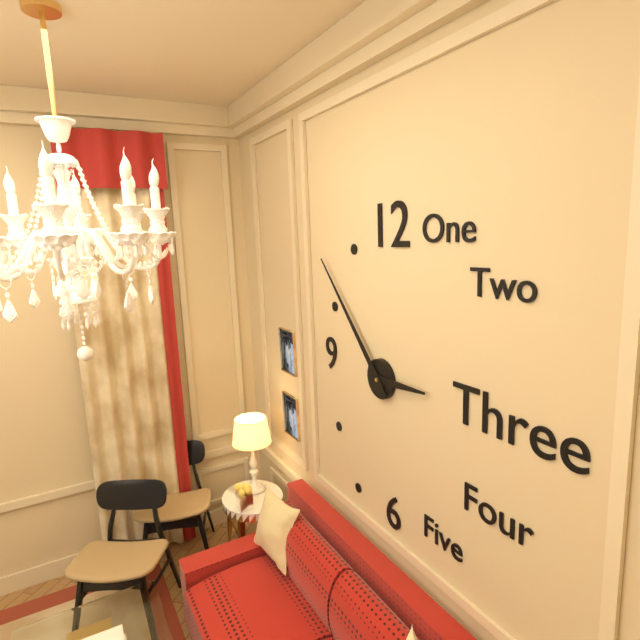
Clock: 2.53
